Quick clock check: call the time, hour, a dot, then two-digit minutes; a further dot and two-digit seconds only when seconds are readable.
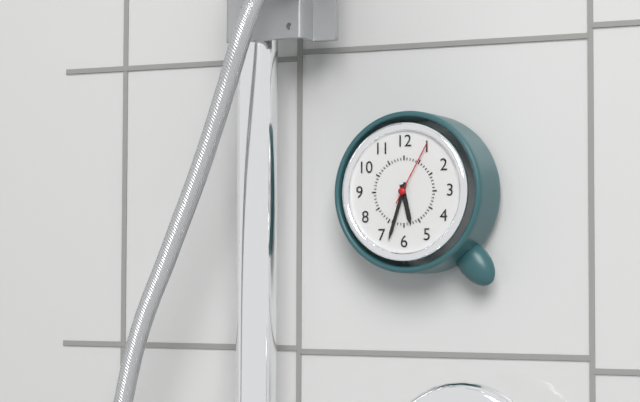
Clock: 5.33.05
